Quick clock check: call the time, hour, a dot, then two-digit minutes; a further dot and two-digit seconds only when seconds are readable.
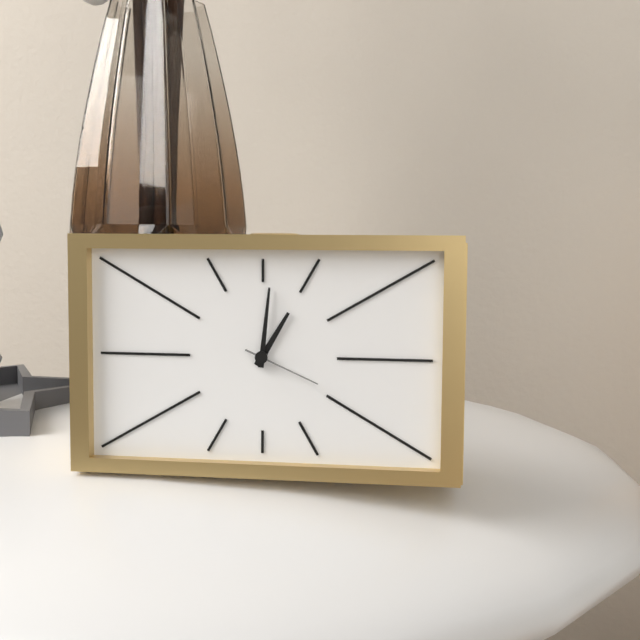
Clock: 1.01.19
